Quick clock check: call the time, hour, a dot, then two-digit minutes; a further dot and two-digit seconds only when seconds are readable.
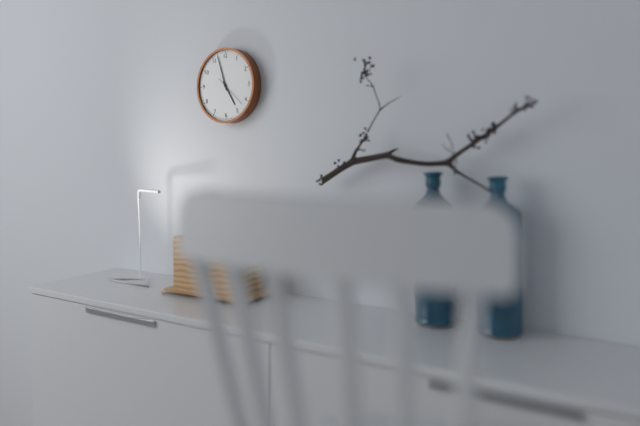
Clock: 4.57
